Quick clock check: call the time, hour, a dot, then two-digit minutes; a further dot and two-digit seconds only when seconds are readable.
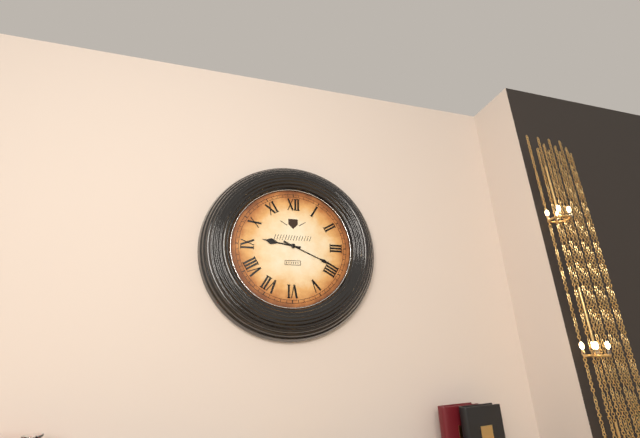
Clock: 9.19
